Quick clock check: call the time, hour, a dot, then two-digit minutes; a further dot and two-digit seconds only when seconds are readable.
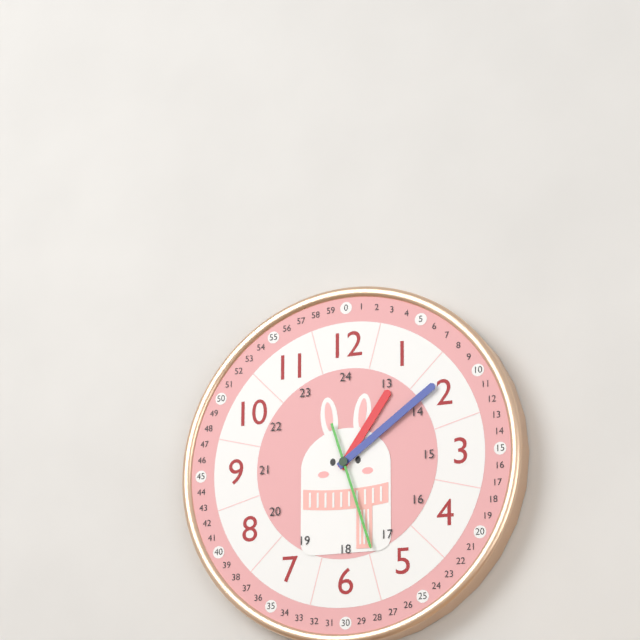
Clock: 1.09.27
